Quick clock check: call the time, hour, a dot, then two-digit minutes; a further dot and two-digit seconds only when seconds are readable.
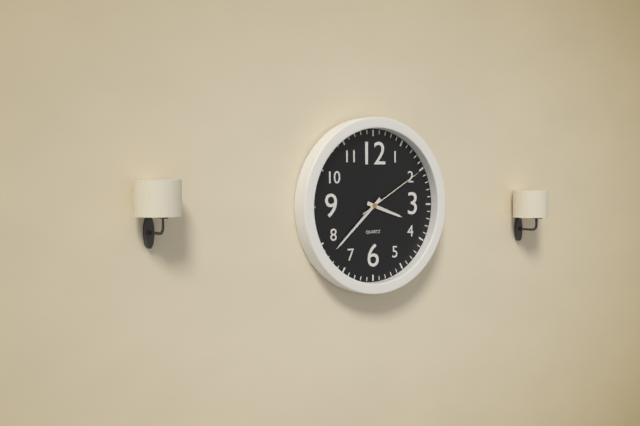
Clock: 3.38.10
